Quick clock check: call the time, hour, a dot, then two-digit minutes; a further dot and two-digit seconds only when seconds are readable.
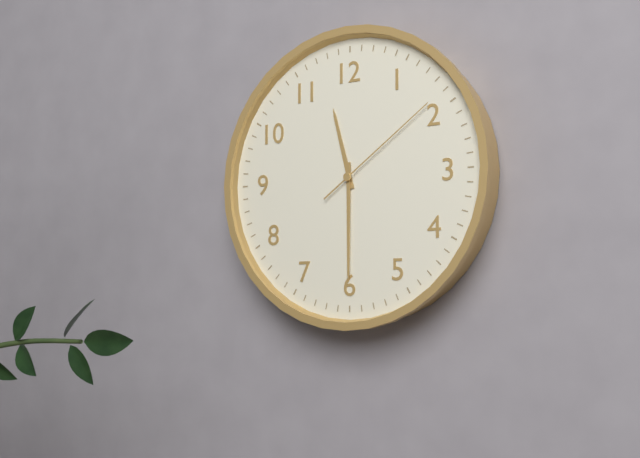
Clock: 11.30.09
